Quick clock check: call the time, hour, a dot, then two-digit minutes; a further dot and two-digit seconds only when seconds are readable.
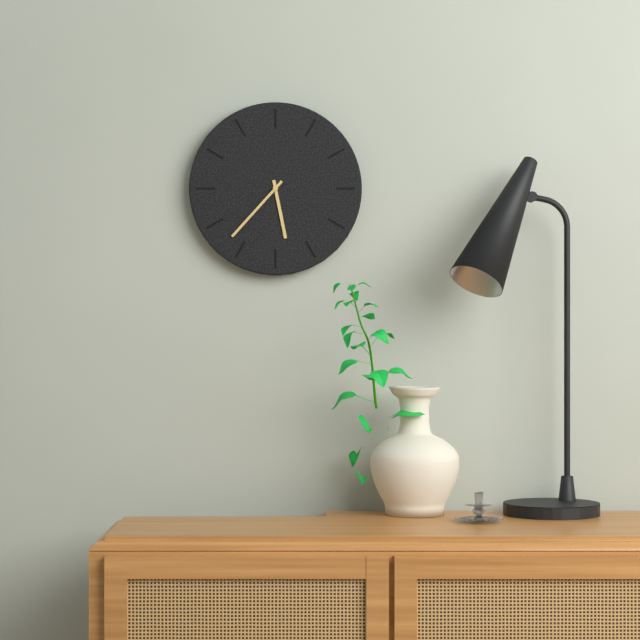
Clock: 5.37
